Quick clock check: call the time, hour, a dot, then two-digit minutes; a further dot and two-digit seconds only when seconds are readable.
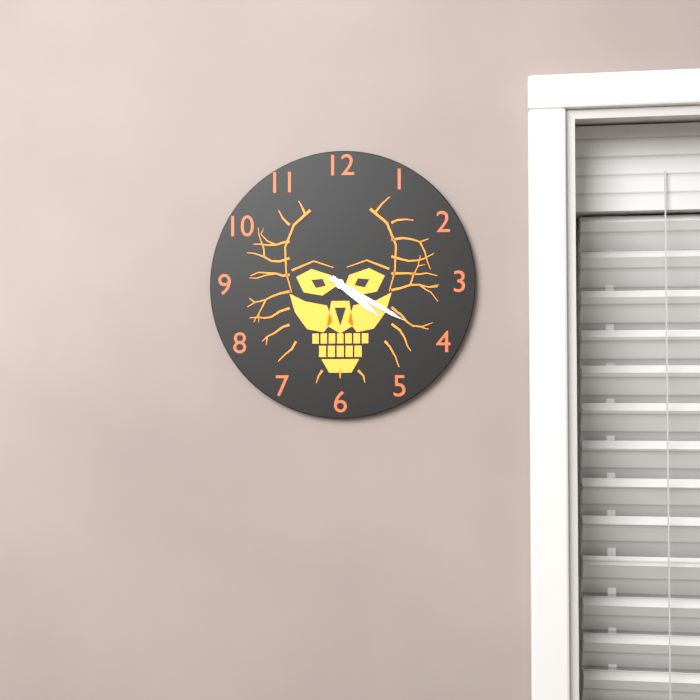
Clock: 4.20
